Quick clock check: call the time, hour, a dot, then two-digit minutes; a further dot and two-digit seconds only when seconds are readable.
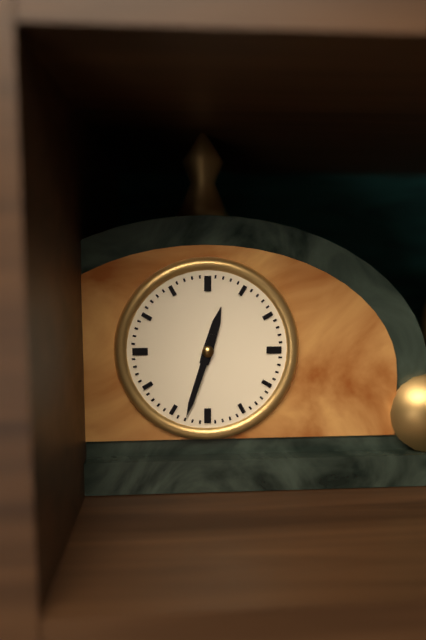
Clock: 12.33
